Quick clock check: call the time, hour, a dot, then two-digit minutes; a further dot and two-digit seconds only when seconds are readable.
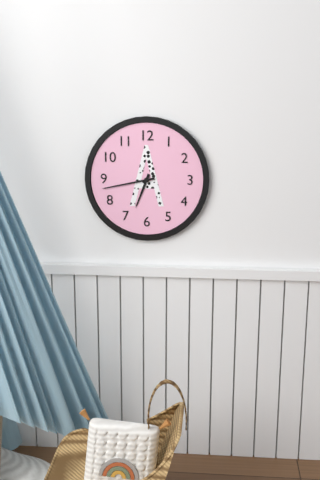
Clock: 6.43
